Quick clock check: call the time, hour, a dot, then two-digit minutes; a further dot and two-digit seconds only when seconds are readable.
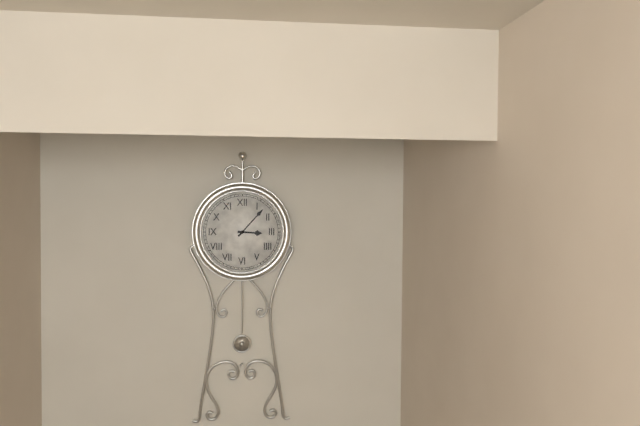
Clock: 3.07
